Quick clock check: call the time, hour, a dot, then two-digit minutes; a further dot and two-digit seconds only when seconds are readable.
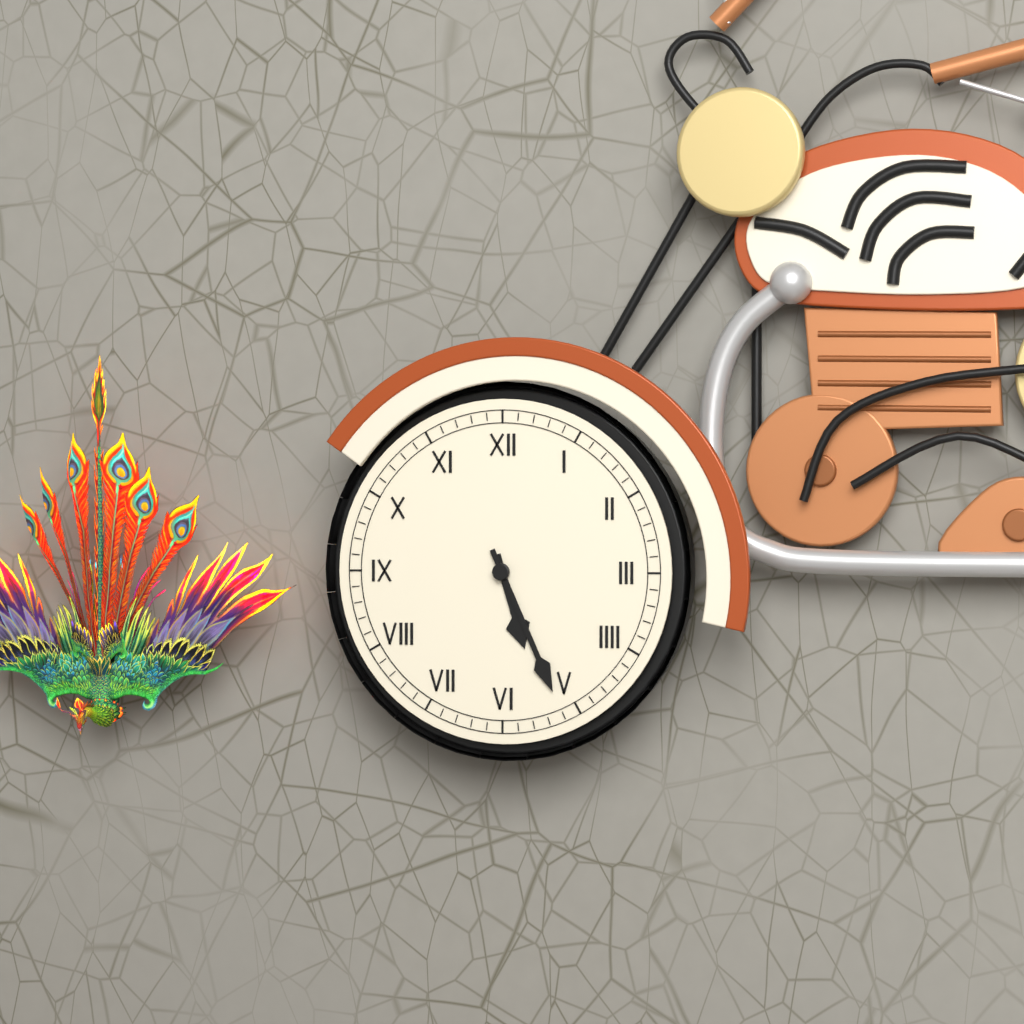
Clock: 5.26
